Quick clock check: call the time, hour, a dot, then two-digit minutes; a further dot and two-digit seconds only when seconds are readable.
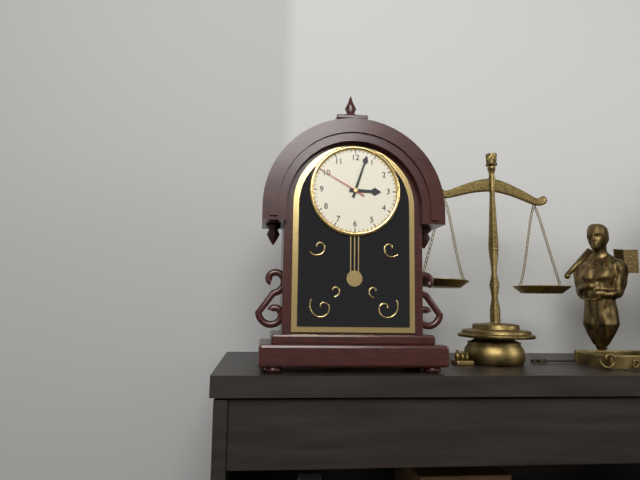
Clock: 3.03.50
